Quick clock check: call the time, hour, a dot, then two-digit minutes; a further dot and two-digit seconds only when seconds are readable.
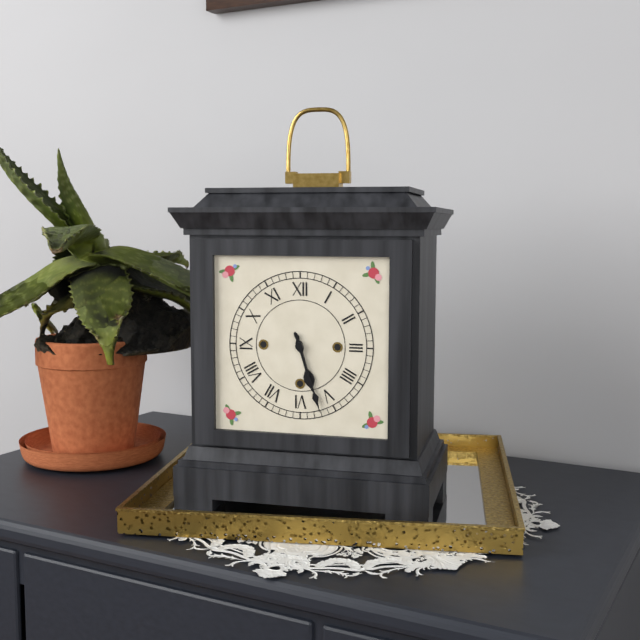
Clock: 5.27
